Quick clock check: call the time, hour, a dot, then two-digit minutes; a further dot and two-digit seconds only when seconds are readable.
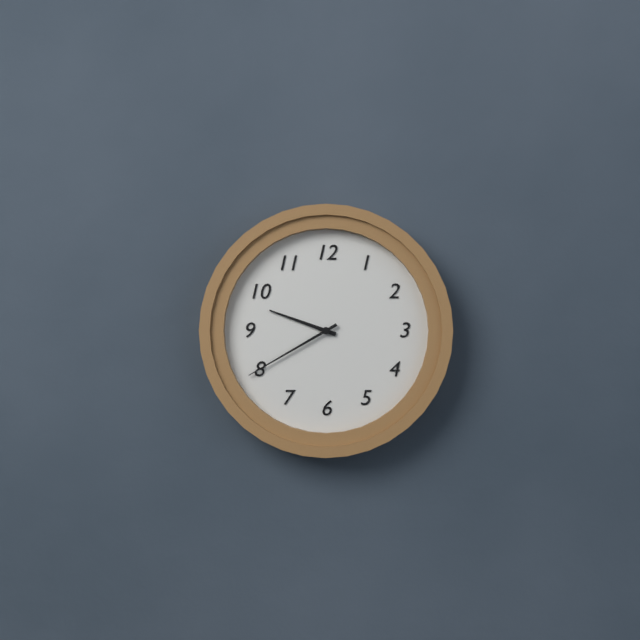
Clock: 9.40
